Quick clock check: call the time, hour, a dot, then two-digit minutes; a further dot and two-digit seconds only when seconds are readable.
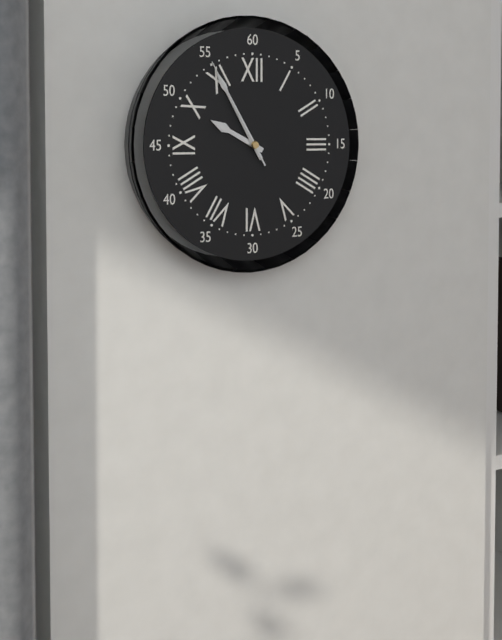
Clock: 9.55.55
